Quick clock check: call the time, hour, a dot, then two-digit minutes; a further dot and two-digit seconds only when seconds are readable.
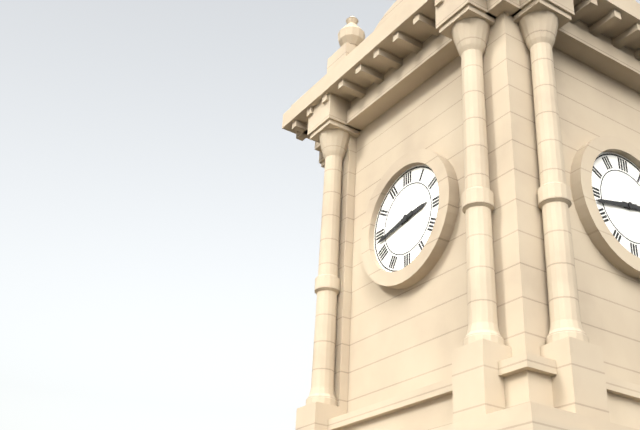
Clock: 2.43
